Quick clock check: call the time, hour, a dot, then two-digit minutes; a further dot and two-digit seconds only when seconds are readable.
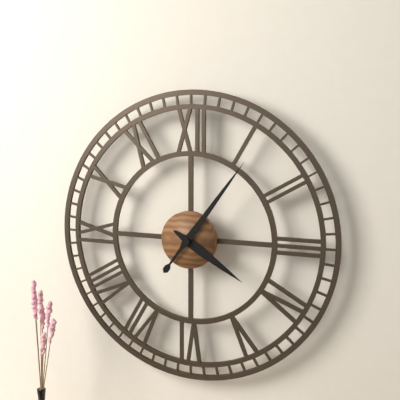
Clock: 4.06
